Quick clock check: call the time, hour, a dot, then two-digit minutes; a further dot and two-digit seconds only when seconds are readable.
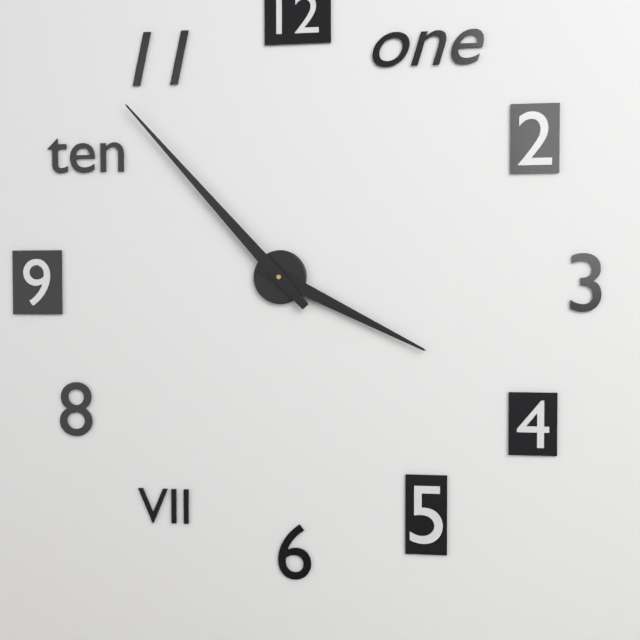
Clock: 3.53
